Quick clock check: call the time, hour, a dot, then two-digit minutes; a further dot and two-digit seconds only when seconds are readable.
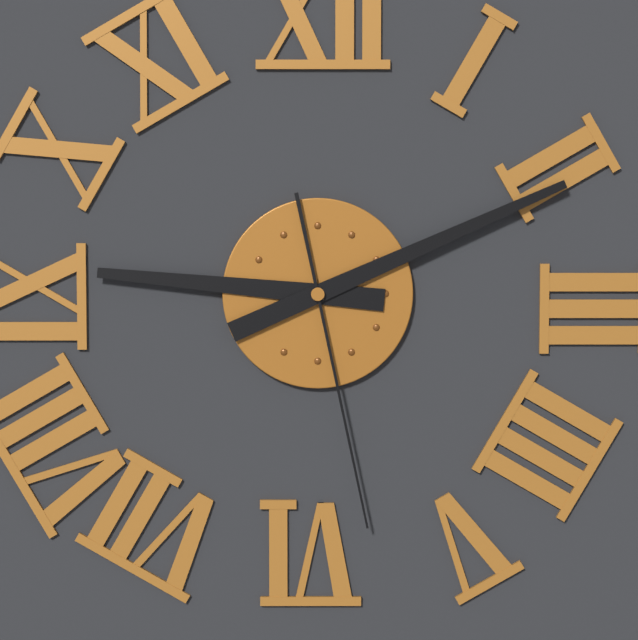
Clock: 9.11.28
